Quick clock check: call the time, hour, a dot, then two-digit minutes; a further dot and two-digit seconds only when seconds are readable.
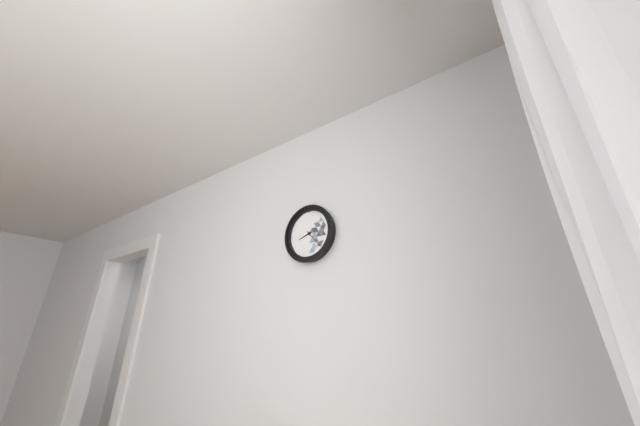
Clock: 8.23
